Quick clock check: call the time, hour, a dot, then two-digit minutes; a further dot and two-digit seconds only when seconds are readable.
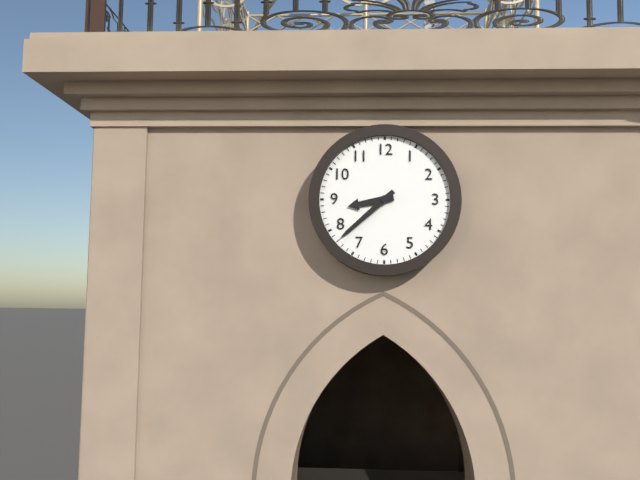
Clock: 8.38
